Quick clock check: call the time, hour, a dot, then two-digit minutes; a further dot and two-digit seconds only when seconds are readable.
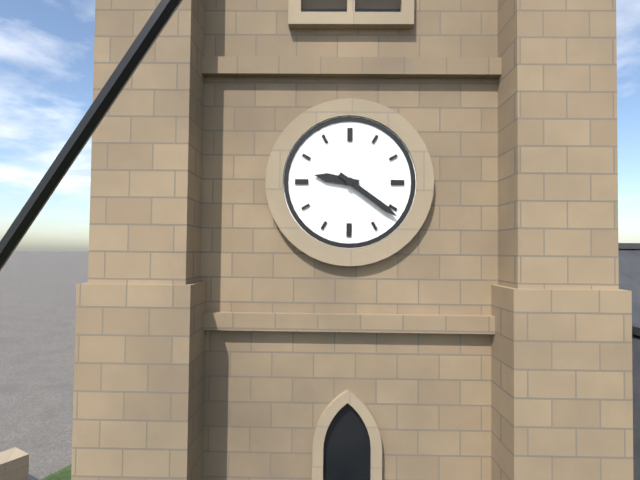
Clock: 9.21
